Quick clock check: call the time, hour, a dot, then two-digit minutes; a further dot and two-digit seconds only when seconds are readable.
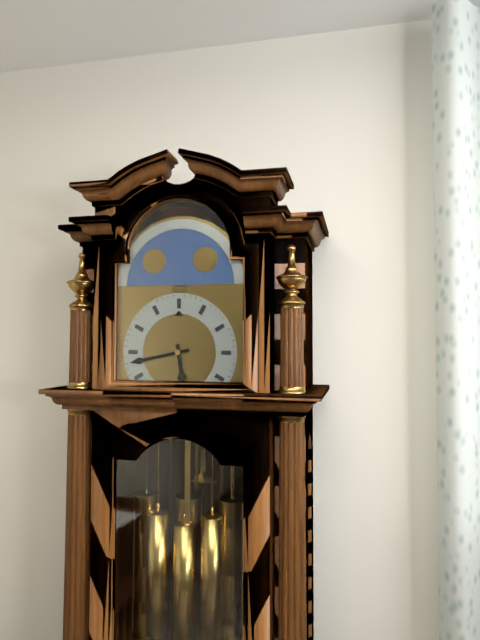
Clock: 5.43
